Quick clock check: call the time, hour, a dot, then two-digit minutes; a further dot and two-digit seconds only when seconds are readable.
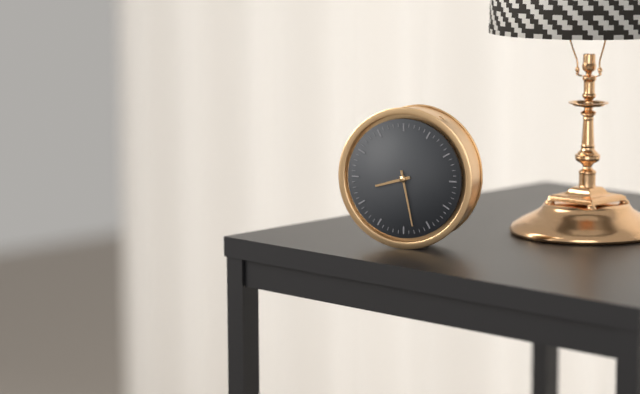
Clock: 8.28
